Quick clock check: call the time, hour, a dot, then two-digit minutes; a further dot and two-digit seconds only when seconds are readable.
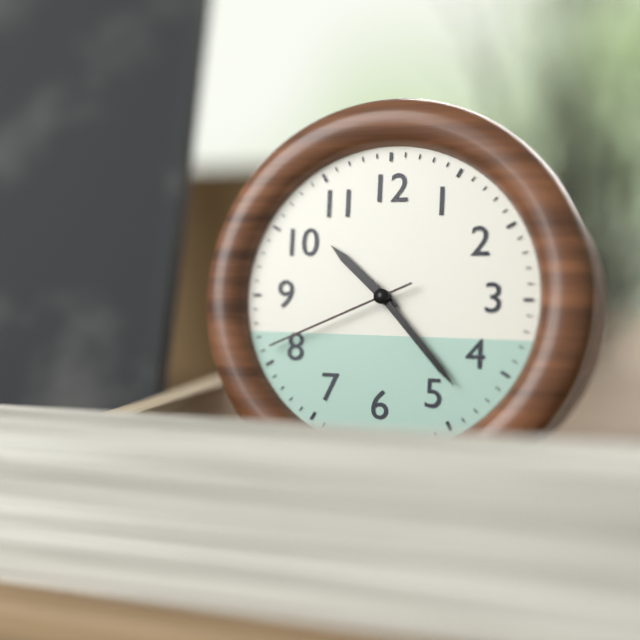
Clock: 10.23.41
